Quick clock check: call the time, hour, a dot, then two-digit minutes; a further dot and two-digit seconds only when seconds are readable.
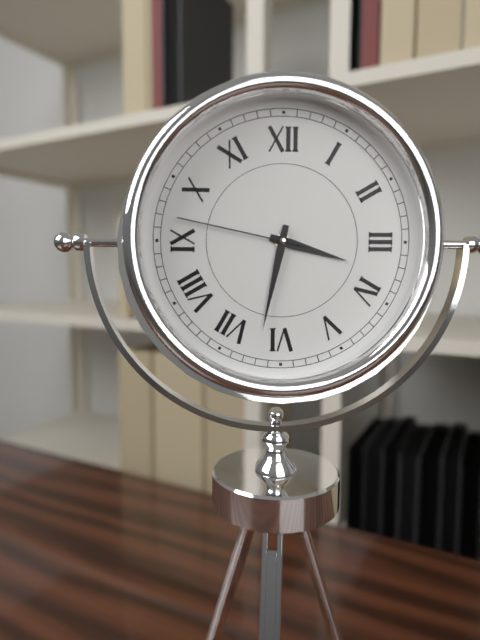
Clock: 3.32.47
